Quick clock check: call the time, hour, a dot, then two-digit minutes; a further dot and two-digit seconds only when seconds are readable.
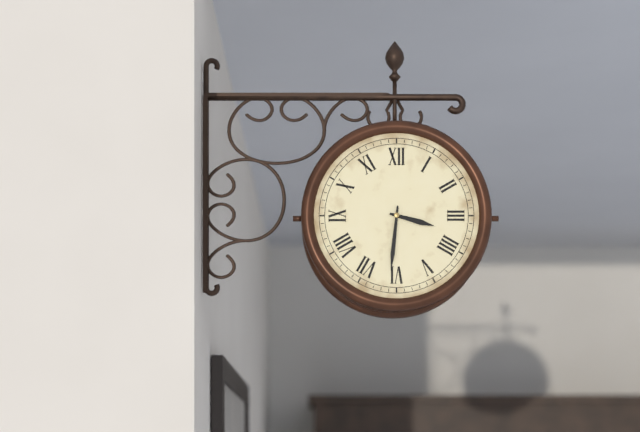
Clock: 3.31
